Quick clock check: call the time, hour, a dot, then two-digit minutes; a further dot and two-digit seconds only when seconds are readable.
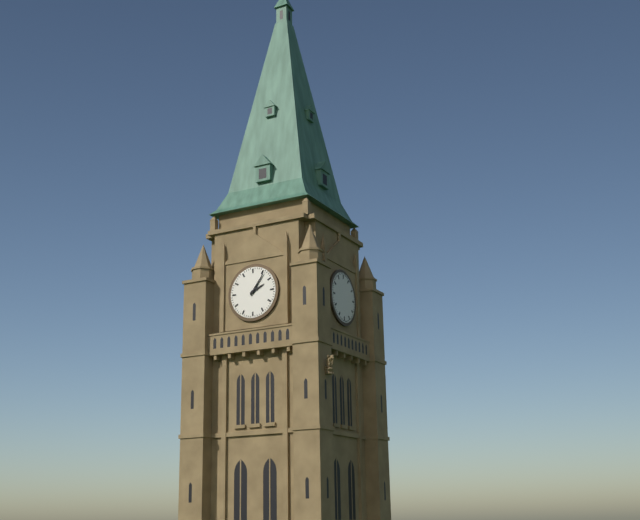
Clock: 2.06
